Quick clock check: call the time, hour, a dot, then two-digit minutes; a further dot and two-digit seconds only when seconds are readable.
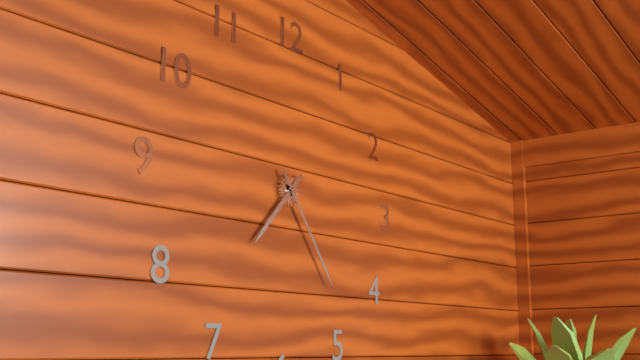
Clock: 7.24
